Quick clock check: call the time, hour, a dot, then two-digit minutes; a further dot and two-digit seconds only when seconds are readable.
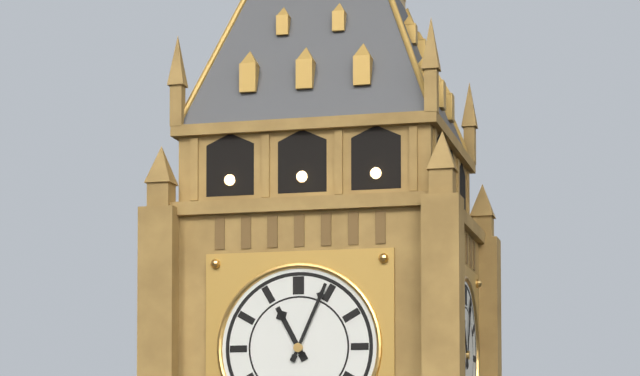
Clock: 11.04
